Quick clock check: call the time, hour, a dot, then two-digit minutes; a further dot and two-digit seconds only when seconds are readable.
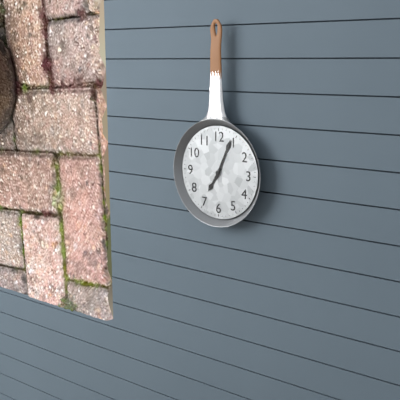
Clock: 7.04
